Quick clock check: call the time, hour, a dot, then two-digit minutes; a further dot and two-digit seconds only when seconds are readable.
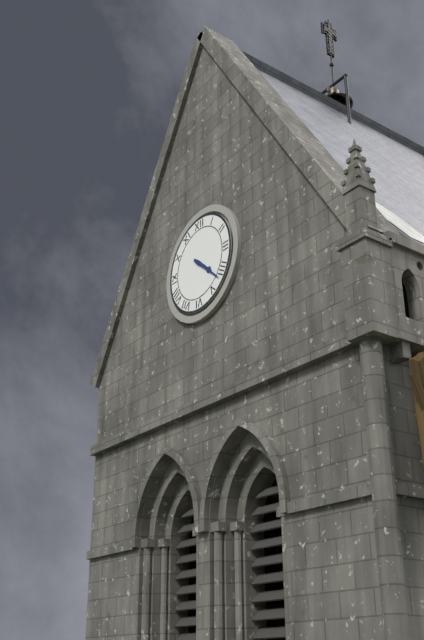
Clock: 4.22
